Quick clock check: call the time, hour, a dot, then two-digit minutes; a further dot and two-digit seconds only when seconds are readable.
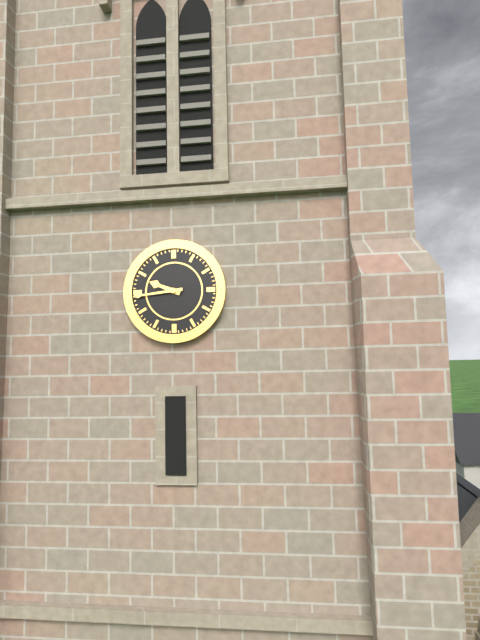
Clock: 9.44
